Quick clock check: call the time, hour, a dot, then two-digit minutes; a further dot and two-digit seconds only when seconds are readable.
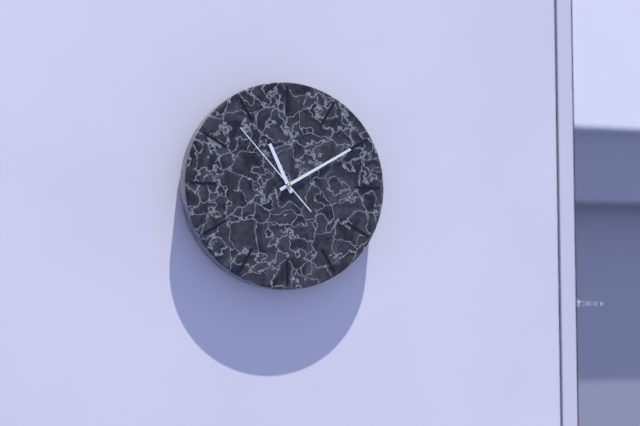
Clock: 11.10.53
